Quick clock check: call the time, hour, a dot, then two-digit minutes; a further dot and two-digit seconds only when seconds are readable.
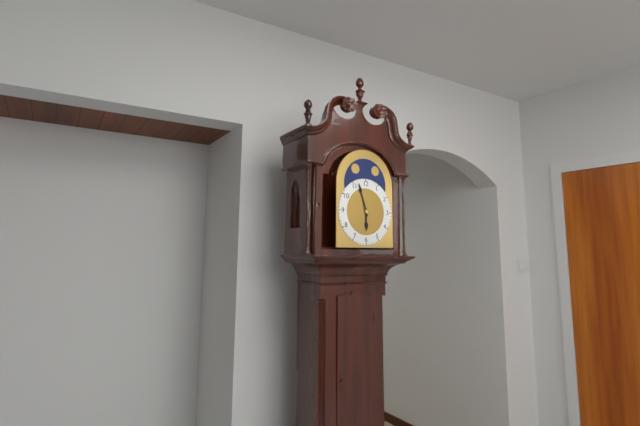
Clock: 5.57
